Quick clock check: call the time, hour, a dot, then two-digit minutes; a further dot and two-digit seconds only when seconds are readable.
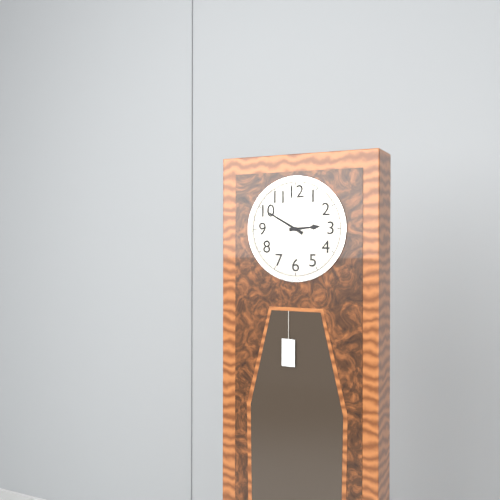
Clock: 2.50
